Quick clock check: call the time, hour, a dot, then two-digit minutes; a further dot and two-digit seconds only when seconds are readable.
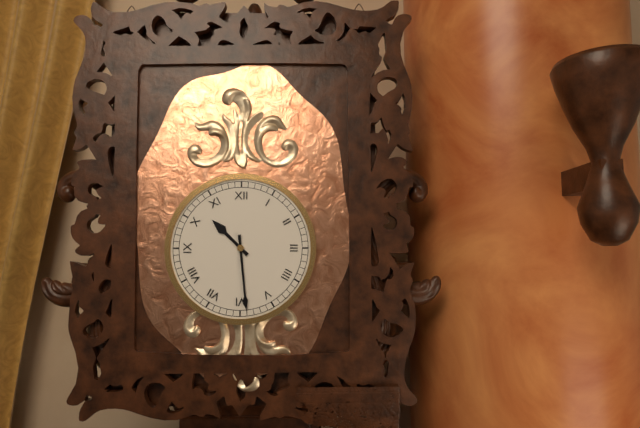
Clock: 10.29
